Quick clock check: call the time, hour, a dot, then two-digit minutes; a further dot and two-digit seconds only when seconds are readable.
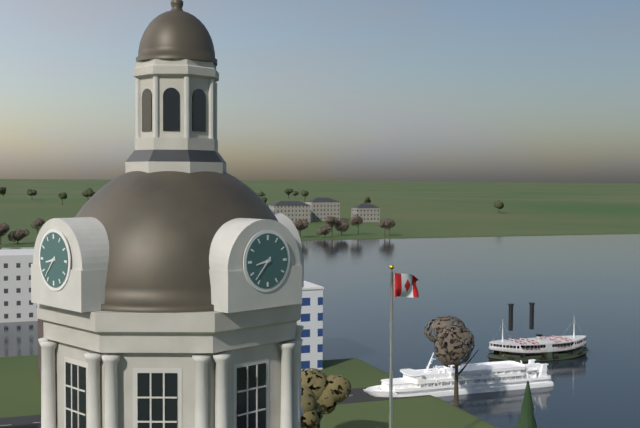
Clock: 8.37
